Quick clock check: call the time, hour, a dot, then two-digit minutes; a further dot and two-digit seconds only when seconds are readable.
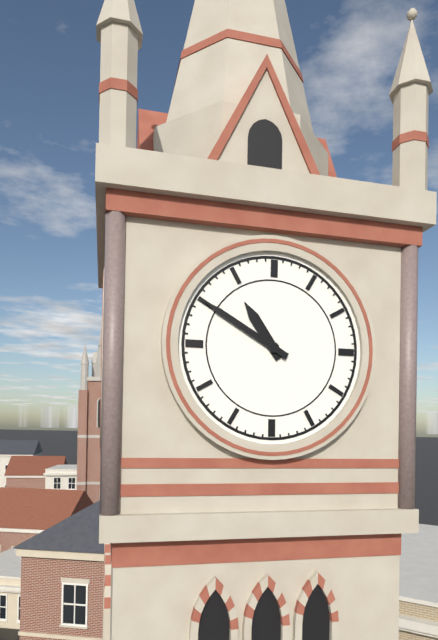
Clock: 10.50
